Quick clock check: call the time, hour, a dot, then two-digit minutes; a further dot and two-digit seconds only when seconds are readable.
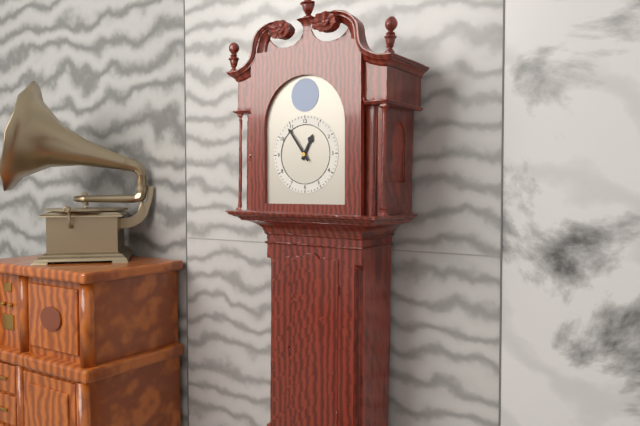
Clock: 12.54
